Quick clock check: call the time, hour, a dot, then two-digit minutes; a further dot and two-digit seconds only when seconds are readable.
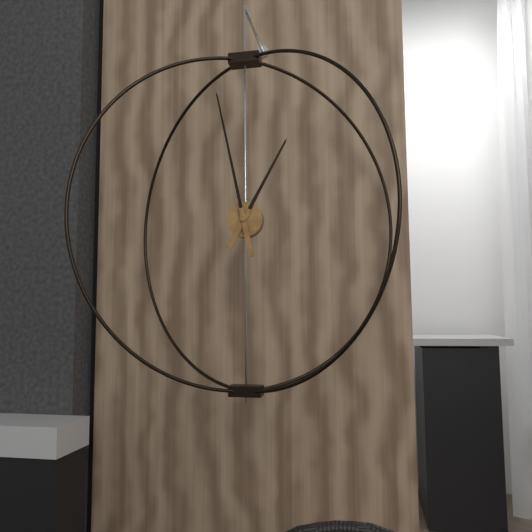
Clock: 12.58
